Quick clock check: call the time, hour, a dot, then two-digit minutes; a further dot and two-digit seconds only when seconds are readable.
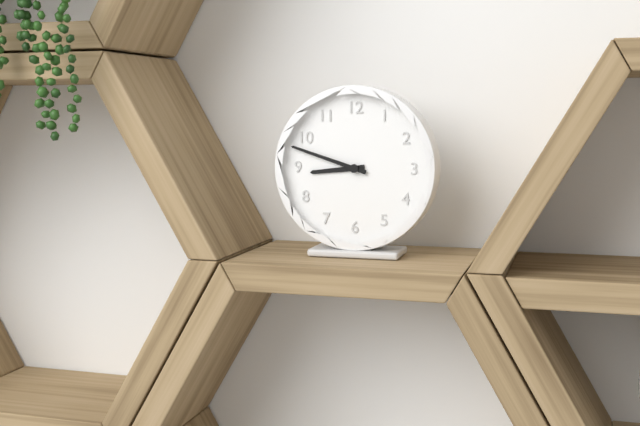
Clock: 8.48
